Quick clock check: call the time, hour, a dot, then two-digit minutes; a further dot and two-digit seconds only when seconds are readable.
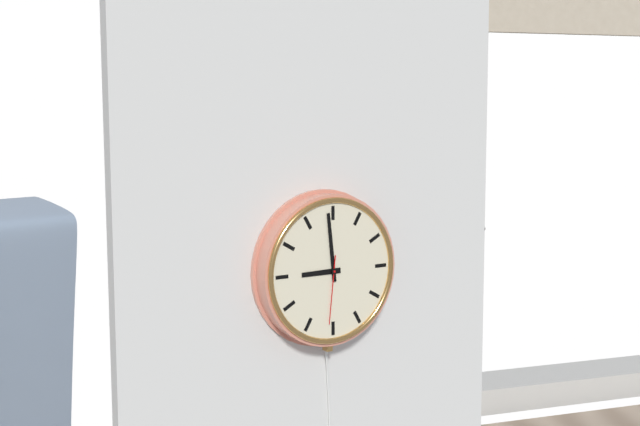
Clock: 8.59.31
